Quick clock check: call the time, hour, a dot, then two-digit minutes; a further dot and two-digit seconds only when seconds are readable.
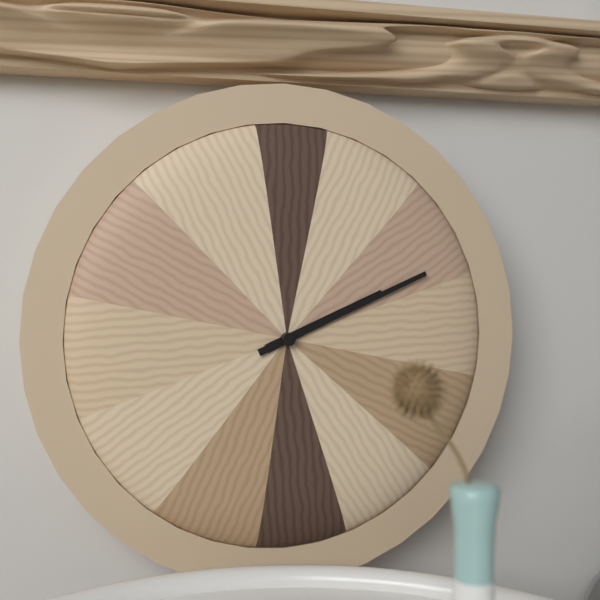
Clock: 2.11
